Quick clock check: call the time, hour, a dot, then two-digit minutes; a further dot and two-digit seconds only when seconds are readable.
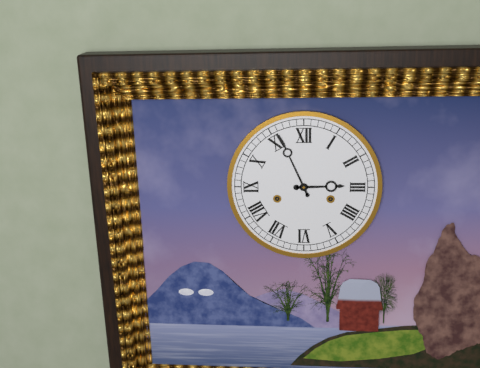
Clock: 2.56
